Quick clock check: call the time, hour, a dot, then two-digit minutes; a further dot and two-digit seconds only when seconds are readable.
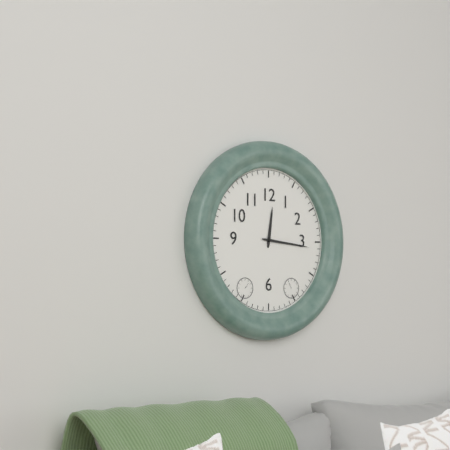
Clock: 12.16
